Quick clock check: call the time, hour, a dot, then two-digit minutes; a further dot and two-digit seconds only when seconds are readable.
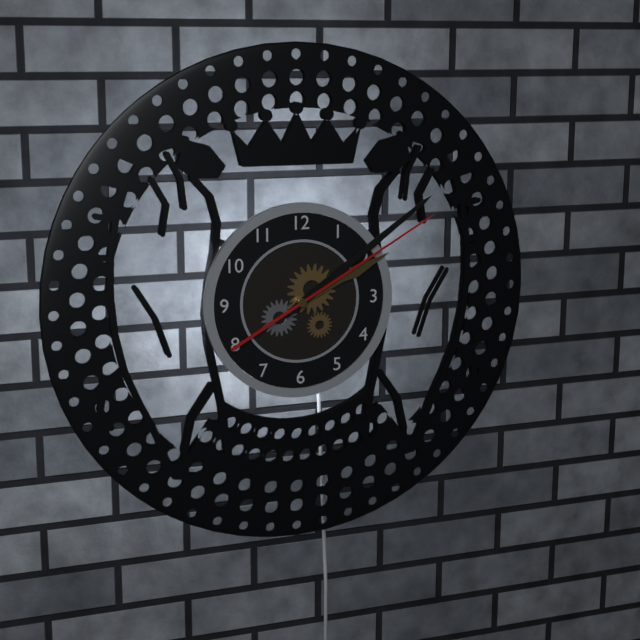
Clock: 2.09.10
